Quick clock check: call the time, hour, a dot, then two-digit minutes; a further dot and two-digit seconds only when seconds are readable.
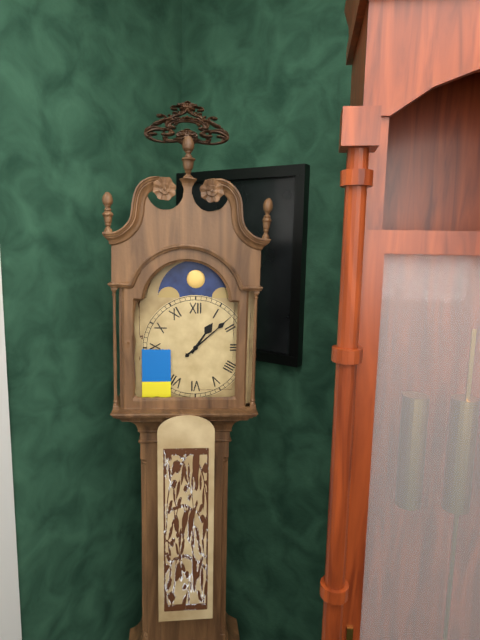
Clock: 1.08
